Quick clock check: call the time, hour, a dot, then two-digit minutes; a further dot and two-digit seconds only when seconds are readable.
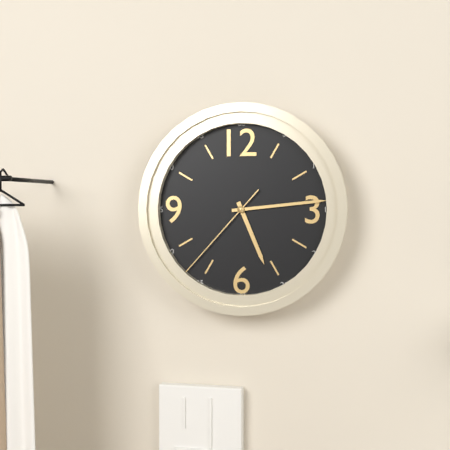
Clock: 5.14.37
